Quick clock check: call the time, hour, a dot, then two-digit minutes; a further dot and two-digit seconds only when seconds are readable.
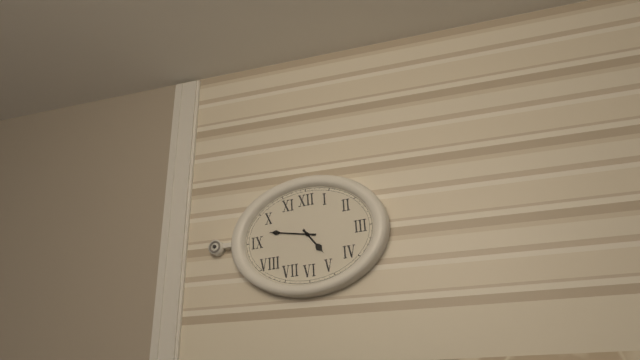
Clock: 4.47
